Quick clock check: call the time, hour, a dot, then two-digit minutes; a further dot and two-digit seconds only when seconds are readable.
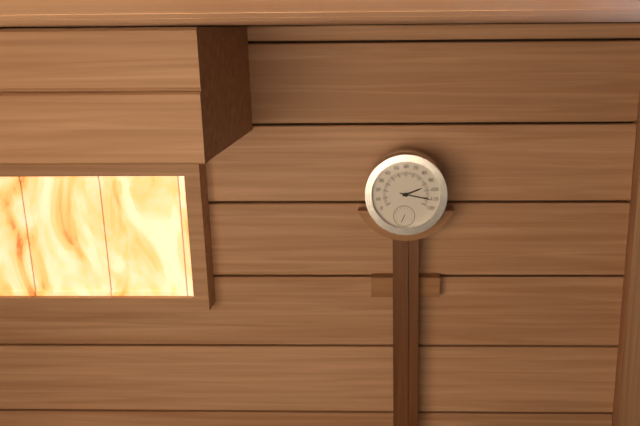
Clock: 2.17
